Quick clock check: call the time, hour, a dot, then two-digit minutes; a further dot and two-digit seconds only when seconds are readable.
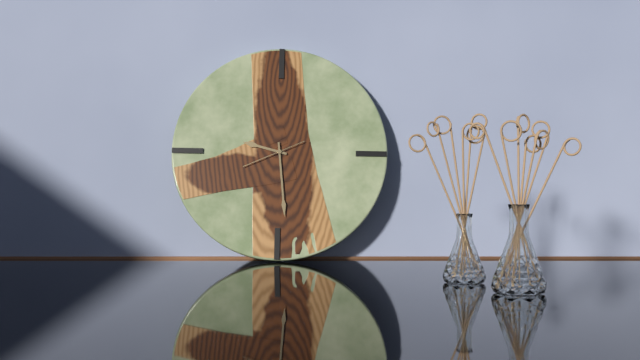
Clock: 9.29
